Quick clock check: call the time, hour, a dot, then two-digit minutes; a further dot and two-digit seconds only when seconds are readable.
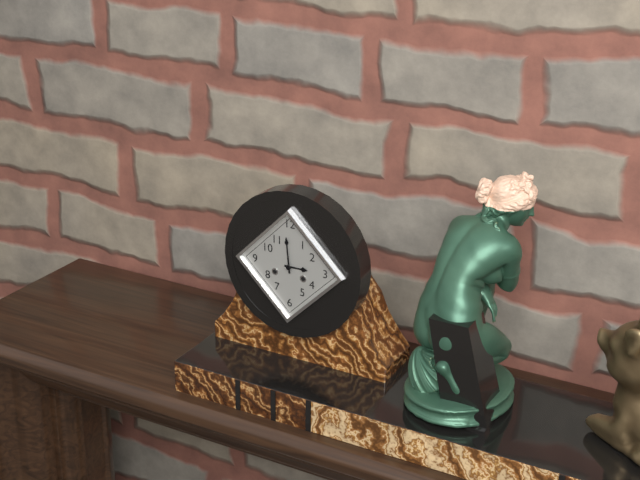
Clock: 2.59
